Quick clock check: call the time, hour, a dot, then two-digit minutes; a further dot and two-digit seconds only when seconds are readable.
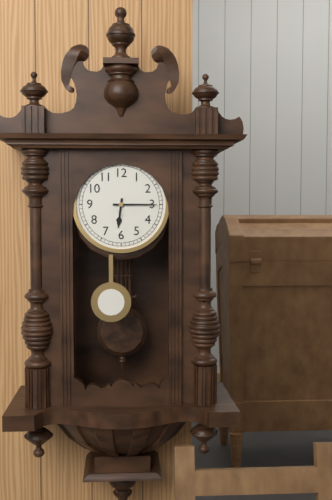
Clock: 6.15
